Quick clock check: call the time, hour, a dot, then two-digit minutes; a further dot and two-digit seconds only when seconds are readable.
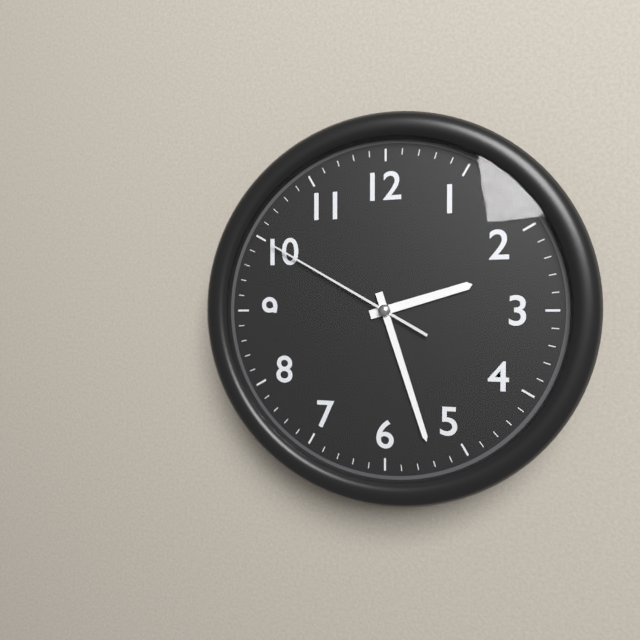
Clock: 2.27.50
